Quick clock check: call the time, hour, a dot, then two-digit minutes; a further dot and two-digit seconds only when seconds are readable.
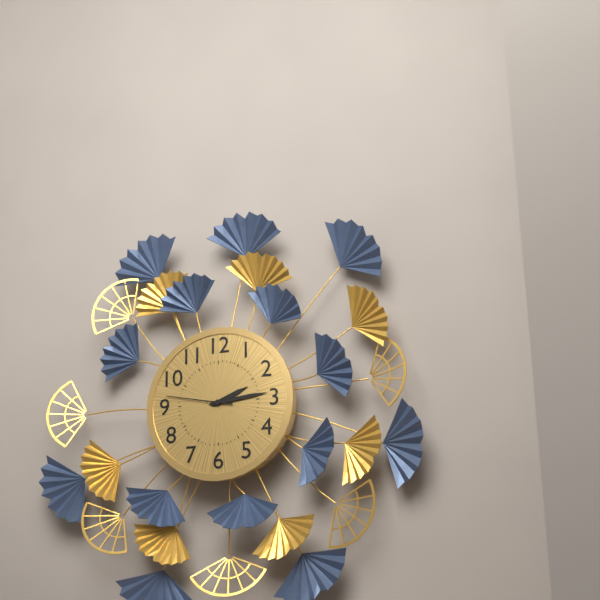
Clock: 2.14.47
